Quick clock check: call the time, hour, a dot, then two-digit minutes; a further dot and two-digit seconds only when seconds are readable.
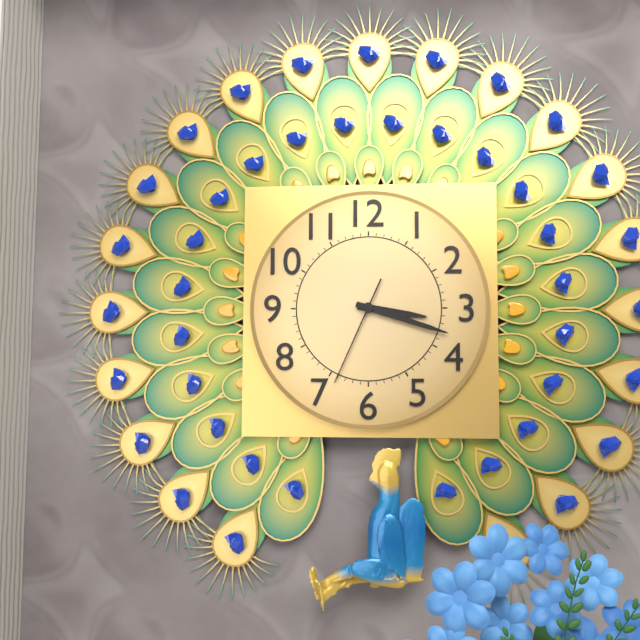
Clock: 3.18.34
